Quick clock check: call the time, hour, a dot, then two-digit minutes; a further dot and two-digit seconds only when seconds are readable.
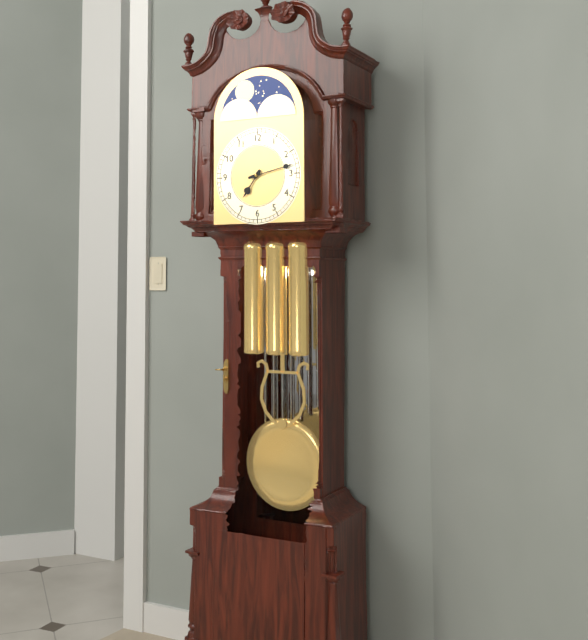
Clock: 7.13
